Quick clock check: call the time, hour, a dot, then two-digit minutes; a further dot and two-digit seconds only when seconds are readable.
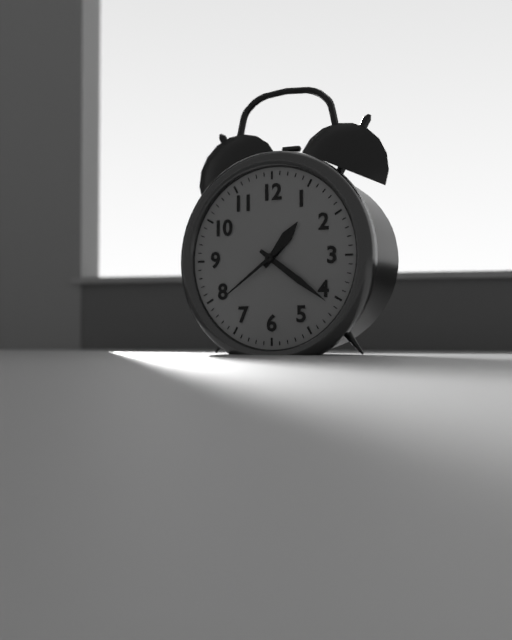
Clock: 1.21.39
